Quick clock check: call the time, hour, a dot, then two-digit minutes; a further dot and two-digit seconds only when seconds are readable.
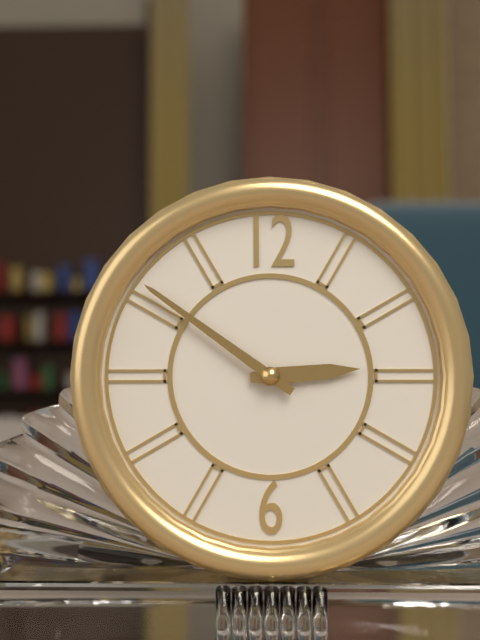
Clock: 2.51
